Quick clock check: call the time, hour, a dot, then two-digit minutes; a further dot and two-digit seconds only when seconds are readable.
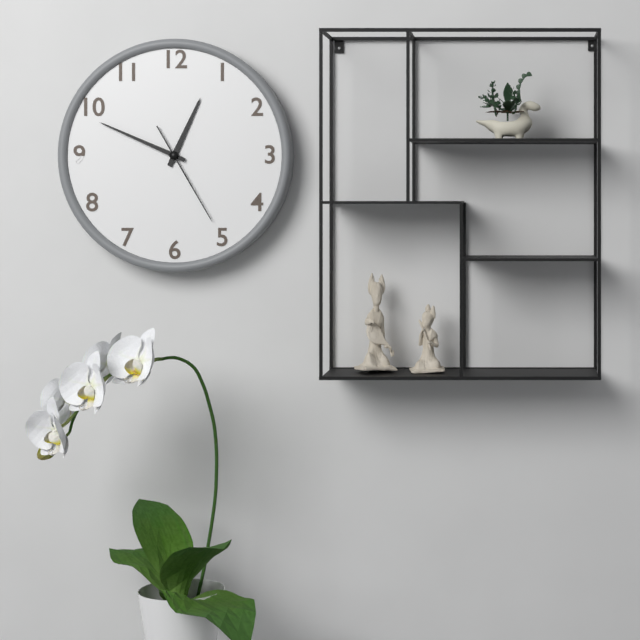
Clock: 12.49.25
